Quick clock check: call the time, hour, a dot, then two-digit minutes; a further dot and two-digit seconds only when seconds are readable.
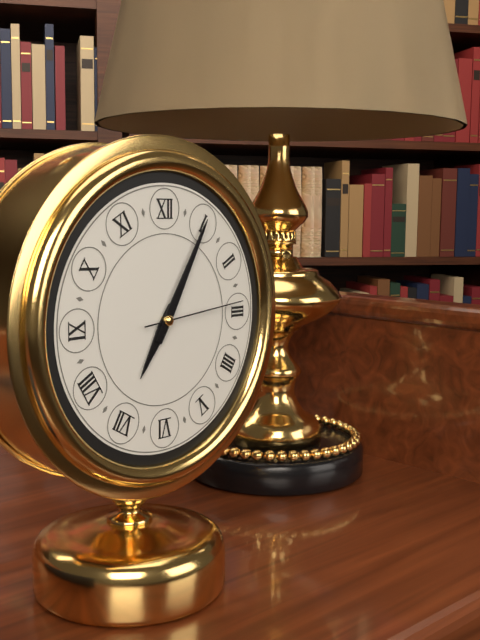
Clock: 7.05.14
